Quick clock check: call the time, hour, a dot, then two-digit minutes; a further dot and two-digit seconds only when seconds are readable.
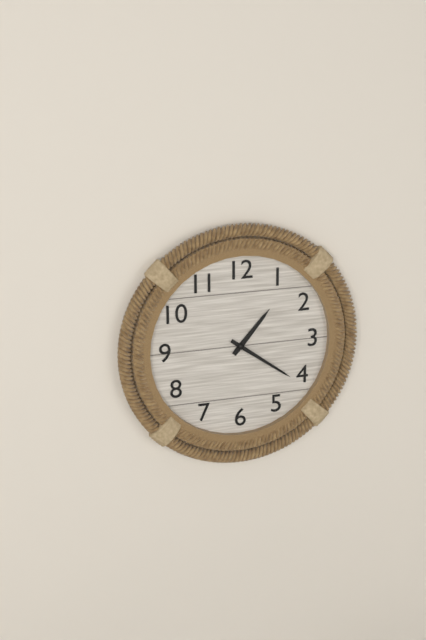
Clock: 1.21
